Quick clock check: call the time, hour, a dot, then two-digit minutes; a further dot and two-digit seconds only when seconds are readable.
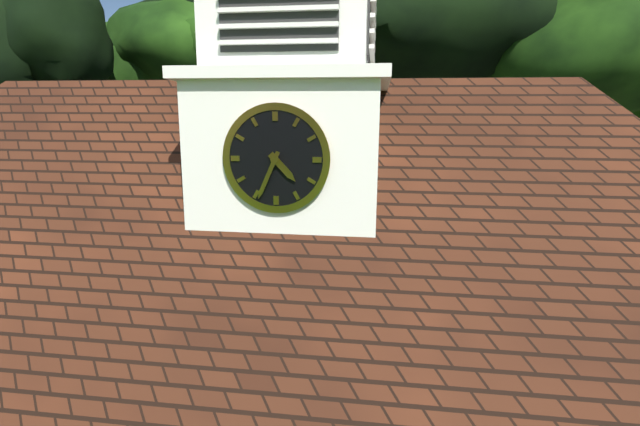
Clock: 4.34
